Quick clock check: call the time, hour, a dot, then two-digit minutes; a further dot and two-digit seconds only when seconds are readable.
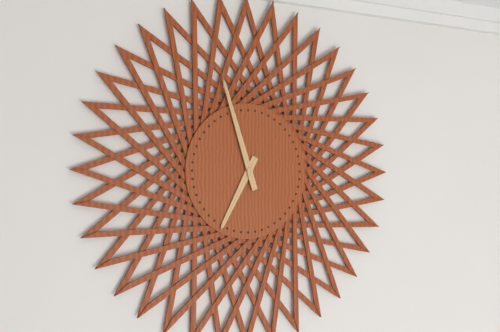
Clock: 6.57
